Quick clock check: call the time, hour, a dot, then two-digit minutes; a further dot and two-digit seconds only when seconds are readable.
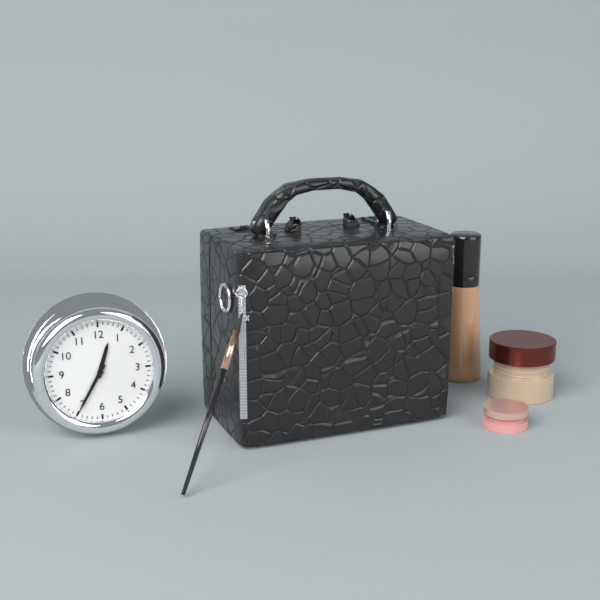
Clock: 12.35
